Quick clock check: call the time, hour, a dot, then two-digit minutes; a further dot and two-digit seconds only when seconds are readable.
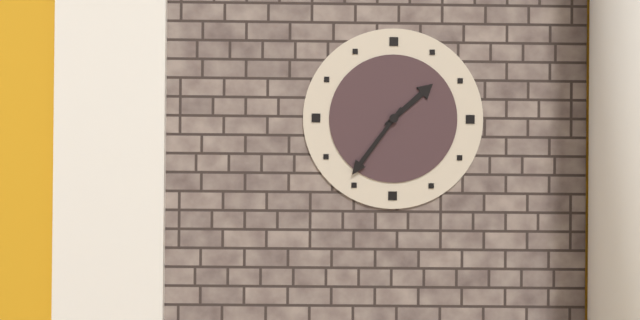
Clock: 1.36
